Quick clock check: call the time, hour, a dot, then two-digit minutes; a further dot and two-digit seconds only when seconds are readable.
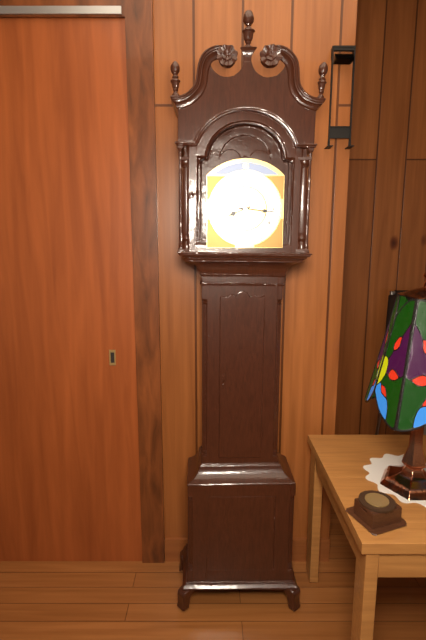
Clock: 8.16
